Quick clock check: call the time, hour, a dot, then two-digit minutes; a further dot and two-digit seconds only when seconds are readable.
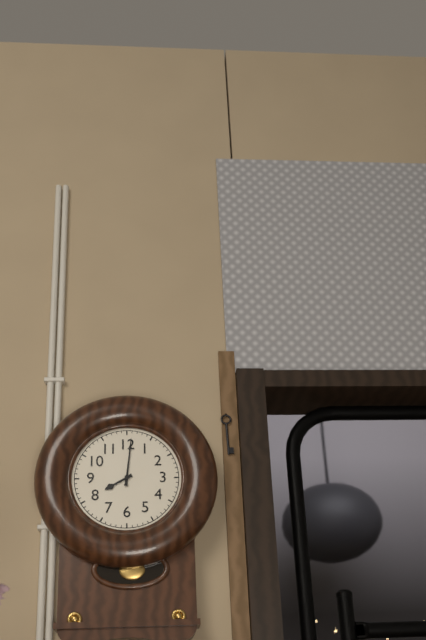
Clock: 8.01
